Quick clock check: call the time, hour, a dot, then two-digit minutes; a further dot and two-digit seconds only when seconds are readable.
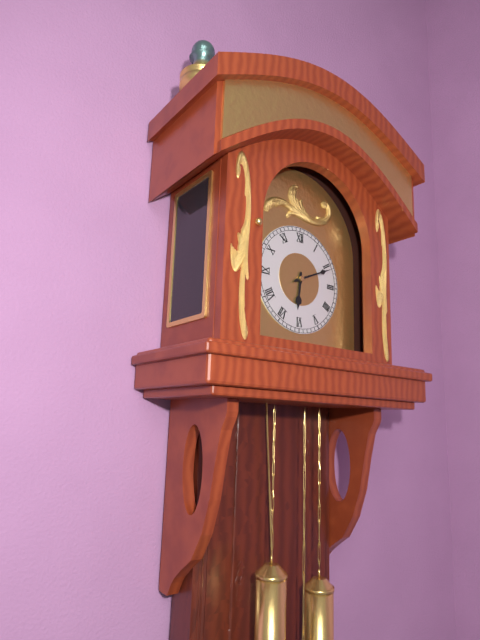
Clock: 6.11
